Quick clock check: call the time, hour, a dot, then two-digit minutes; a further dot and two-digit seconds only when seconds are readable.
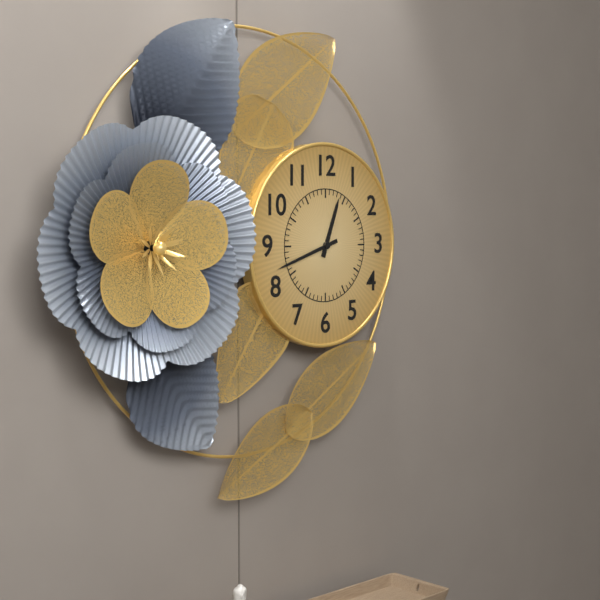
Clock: 12.42
